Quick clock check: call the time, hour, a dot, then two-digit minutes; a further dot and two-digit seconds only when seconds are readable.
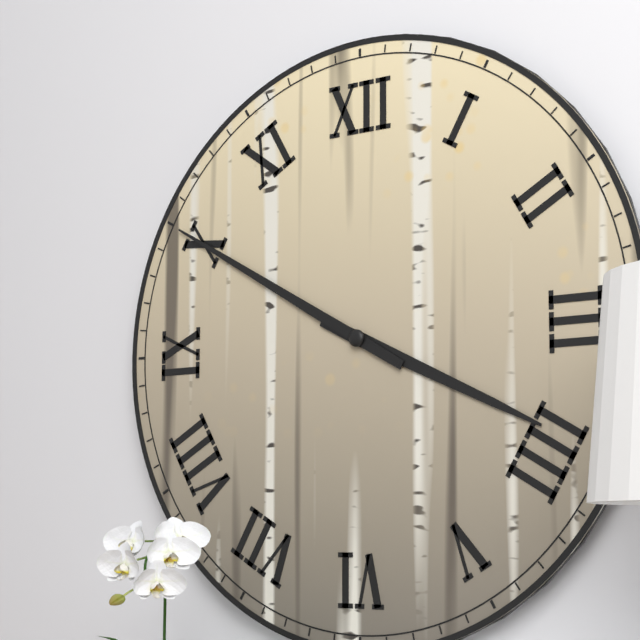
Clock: 3.50
